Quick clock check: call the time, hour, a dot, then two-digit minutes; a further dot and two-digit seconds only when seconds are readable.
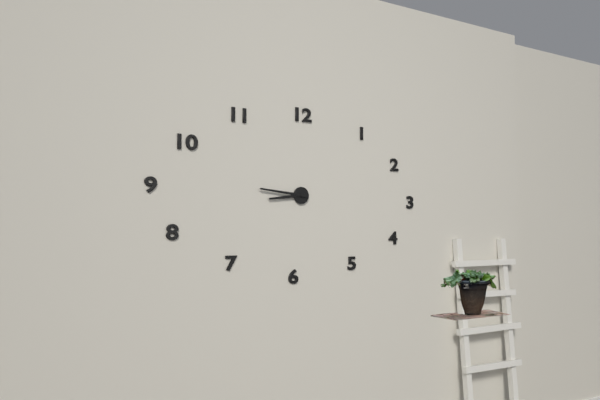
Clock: 8.46
